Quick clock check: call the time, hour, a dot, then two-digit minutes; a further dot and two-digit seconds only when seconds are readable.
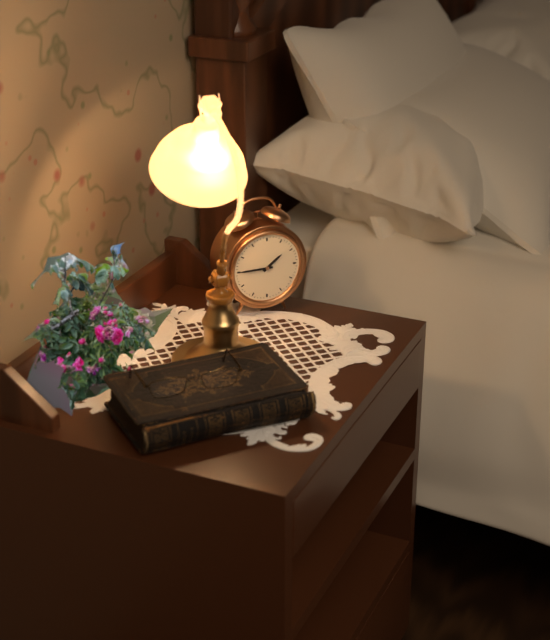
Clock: 1.45
